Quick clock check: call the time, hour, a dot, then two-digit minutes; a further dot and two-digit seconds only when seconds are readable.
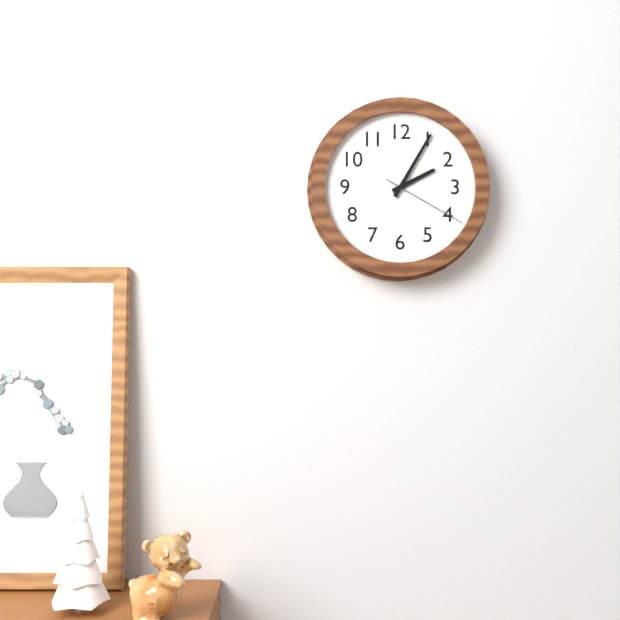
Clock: 2.05.20
